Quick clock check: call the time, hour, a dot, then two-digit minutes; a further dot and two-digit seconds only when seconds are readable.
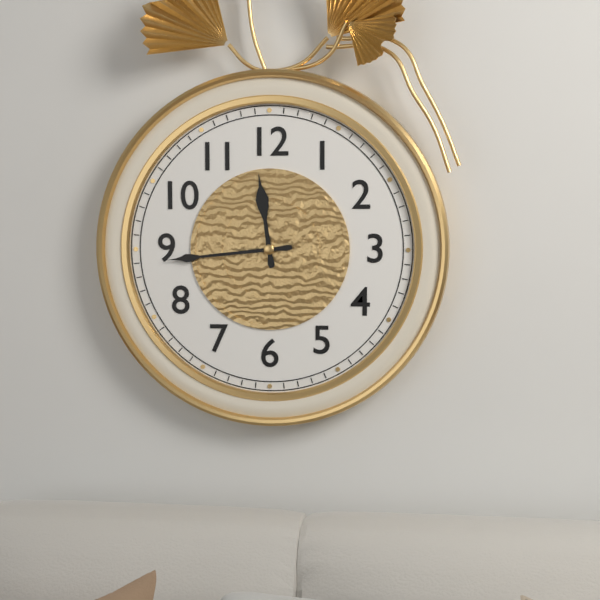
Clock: 11.44
